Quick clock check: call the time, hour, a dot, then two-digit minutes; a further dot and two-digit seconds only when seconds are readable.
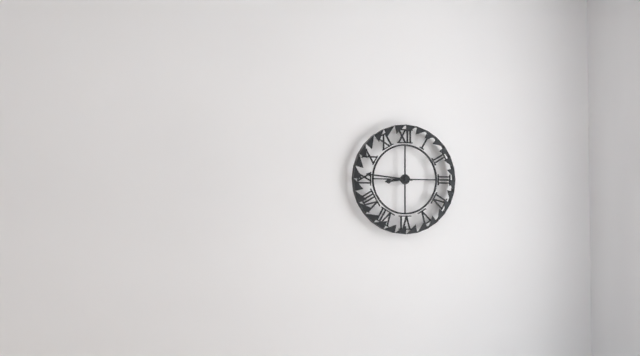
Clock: 8.46
